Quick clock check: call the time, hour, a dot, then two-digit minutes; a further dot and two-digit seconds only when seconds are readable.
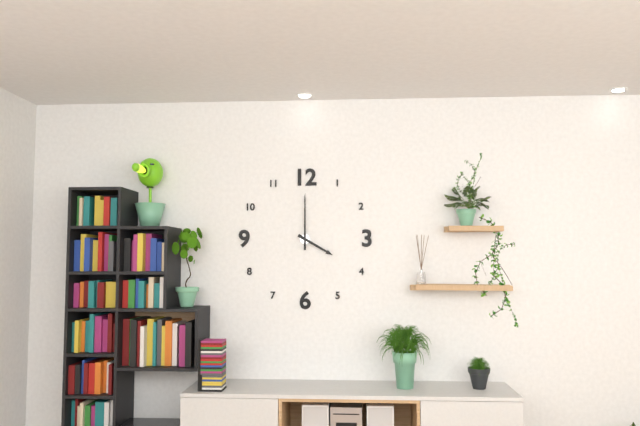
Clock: 4.00
